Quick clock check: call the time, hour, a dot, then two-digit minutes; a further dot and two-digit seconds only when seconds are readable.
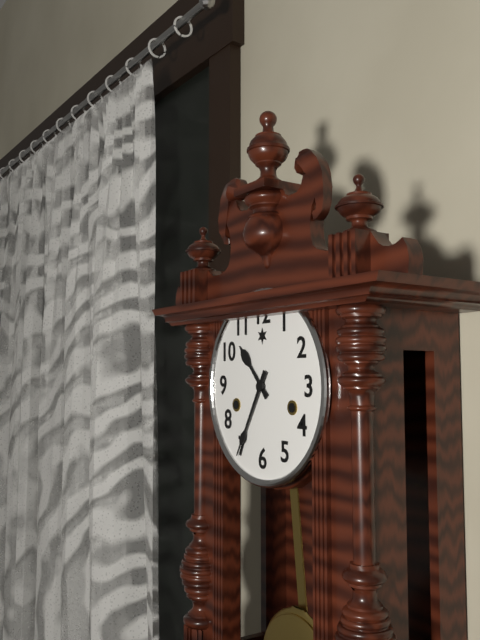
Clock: 10.35
